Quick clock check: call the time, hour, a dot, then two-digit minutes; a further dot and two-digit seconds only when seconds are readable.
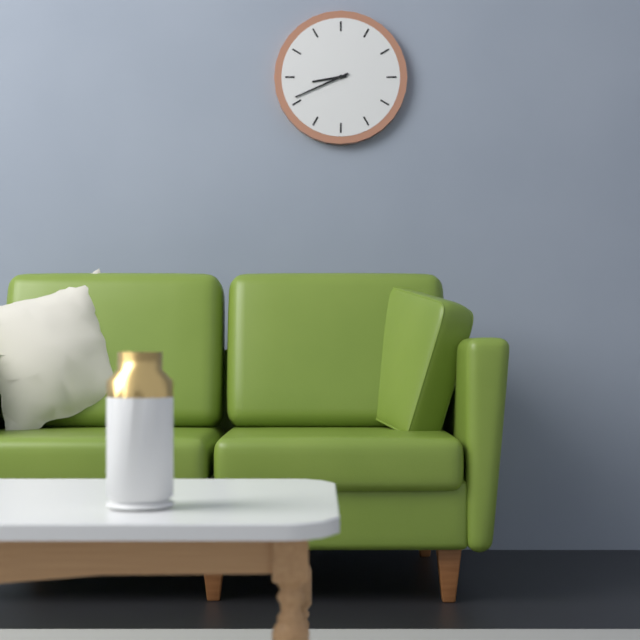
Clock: 8.41
